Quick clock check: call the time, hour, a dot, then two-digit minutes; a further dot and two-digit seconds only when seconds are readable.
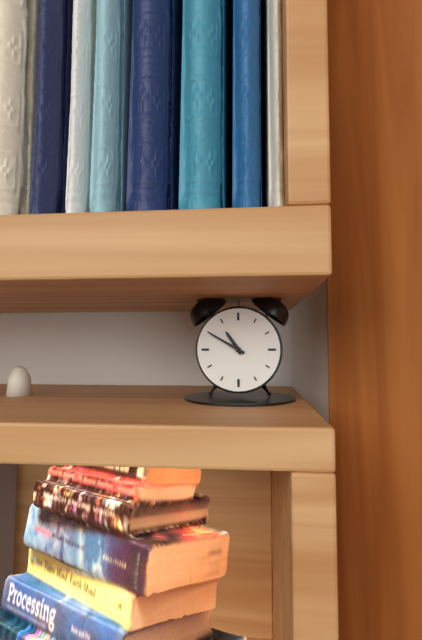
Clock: 10.50
